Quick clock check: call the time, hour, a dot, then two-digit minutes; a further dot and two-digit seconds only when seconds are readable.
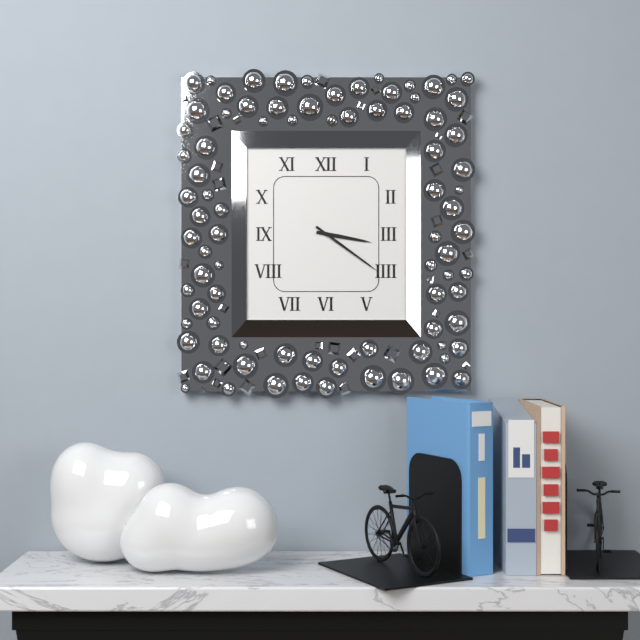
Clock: 3.21
